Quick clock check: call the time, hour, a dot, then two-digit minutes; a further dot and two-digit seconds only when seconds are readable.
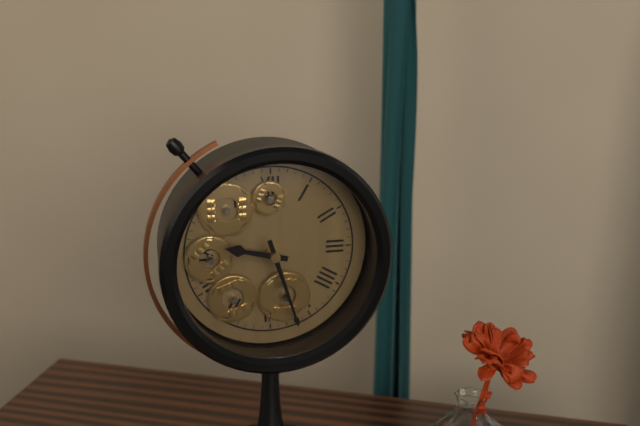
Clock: 9.27
